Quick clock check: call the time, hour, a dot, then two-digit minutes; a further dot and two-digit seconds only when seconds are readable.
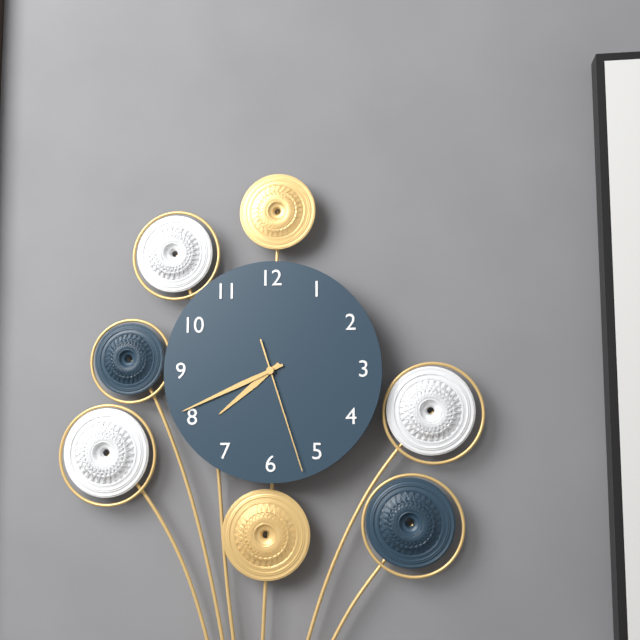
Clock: 7.41.27
